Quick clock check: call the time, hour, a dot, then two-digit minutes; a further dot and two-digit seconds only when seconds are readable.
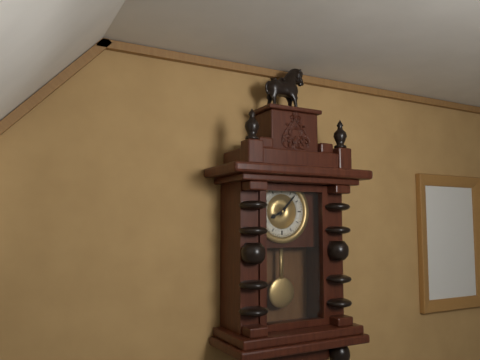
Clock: 8.07
